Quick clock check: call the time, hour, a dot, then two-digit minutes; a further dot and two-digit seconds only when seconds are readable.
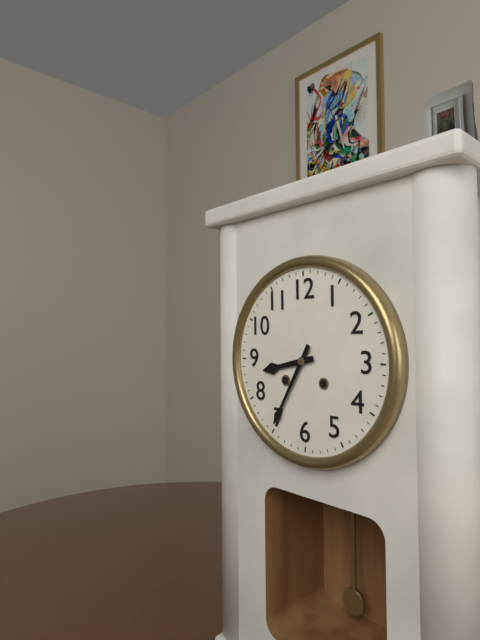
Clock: 8.35
